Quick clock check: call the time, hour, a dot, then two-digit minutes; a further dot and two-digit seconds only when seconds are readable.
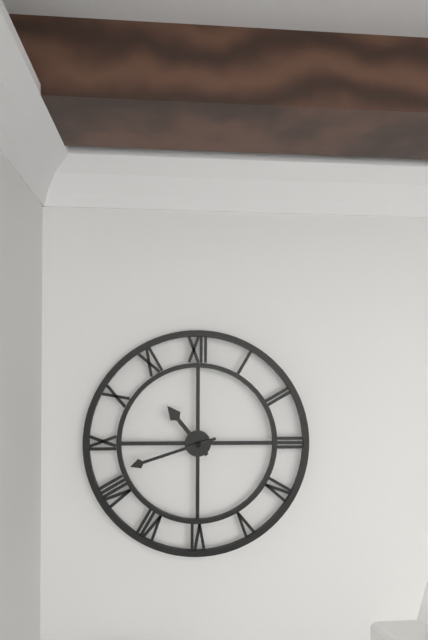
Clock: 10.42
